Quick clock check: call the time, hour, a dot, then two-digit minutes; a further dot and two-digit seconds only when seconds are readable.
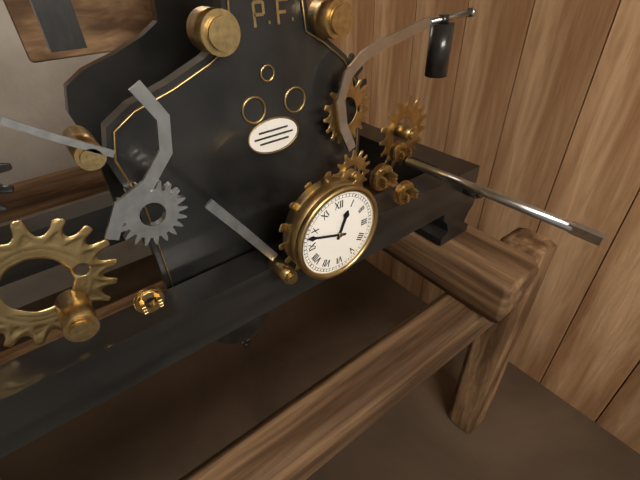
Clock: 12.48
